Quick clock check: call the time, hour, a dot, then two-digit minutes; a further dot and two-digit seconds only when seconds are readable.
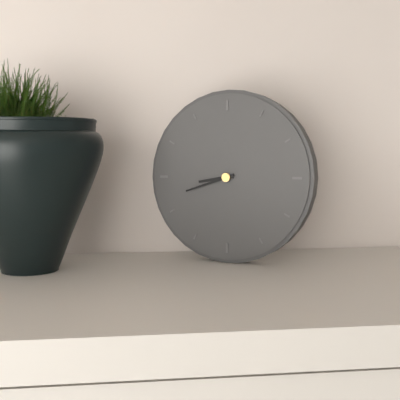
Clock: 8.42
